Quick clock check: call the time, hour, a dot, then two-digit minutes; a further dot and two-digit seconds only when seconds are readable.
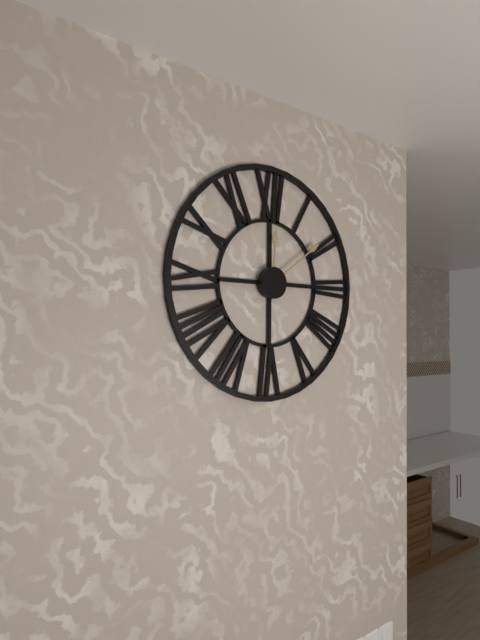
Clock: 12.09
